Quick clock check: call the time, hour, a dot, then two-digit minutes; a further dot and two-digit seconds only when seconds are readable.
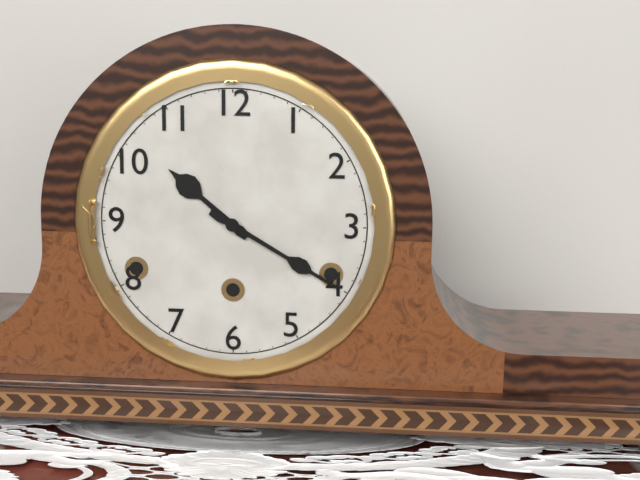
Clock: 10.20
